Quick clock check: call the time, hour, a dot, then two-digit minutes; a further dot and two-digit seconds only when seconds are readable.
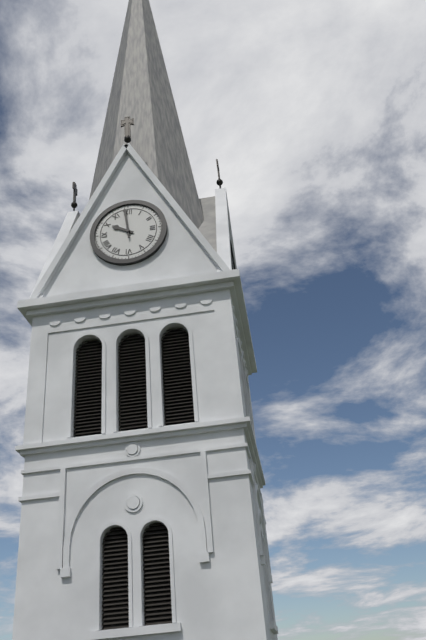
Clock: 9.59
